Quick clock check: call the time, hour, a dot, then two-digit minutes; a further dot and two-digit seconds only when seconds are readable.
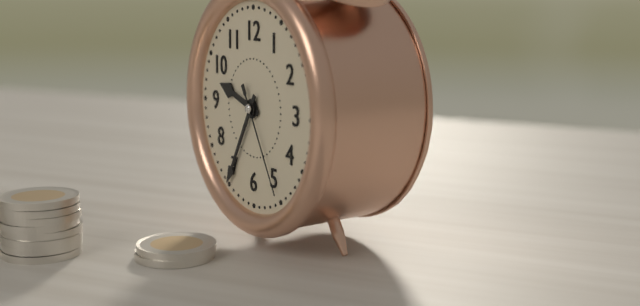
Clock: 9.35.25
